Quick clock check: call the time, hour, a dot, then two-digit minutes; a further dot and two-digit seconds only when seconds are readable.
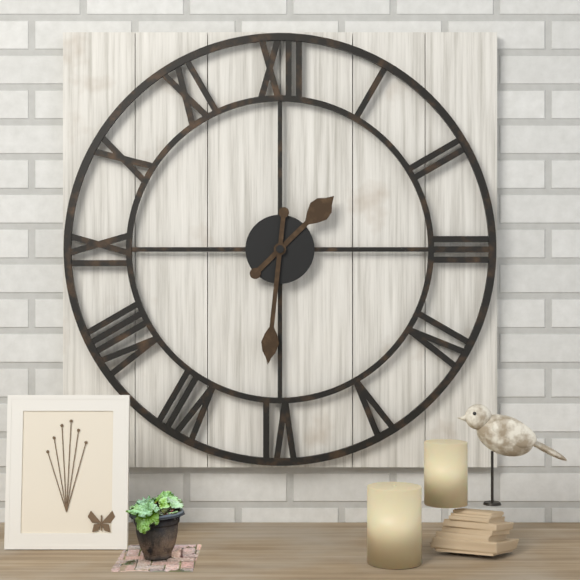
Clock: 1.31
